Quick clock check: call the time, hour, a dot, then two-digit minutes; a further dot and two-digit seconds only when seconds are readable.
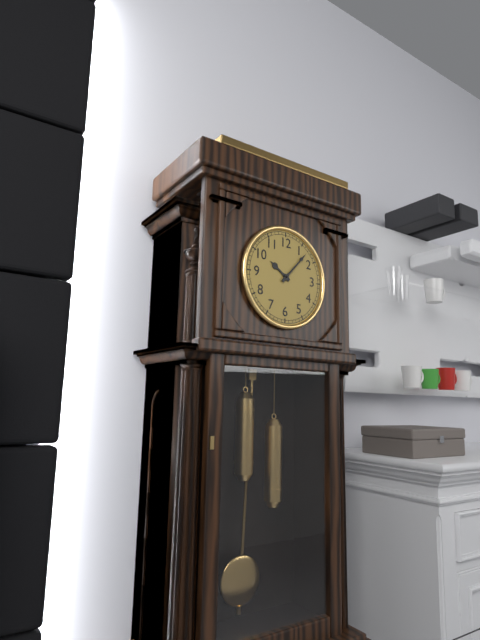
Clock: 10.07
